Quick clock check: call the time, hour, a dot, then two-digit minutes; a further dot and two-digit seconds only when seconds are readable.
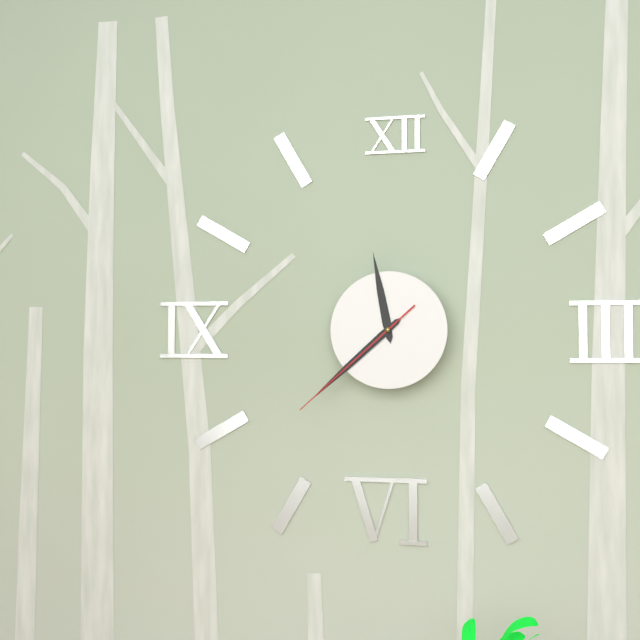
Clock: 11.38.38
